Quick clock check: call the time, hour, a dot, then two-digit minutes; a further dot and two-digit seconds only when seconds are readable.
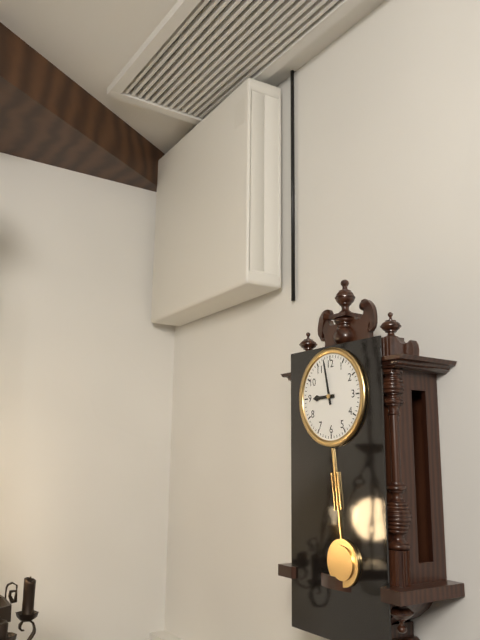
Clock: 8.58
